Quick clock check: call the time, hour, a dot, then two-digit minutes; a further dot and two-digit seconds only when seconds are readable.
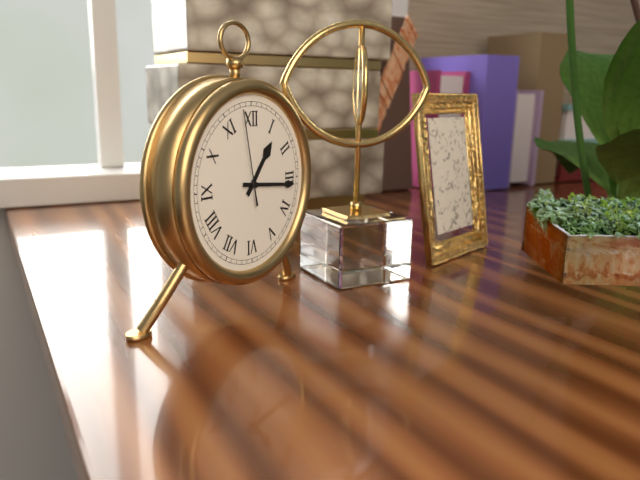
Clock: 1.16.58
